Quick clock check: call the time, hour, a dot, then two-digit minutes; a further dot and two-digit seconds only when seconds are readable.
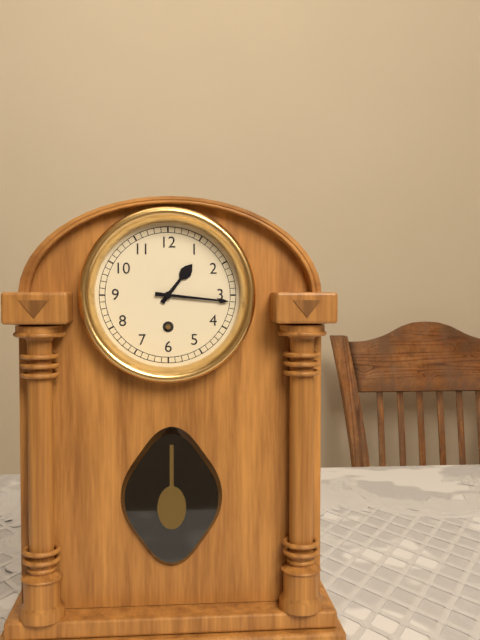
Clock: 1.16
